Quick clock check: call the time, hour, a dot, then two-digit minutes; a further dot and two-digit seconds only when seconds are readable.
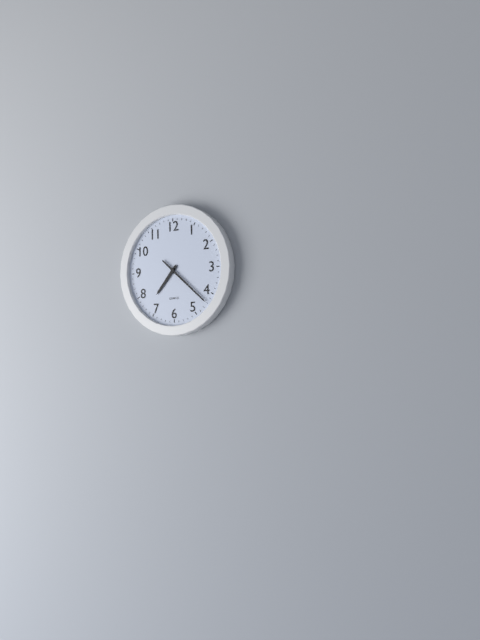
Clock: 7.22
